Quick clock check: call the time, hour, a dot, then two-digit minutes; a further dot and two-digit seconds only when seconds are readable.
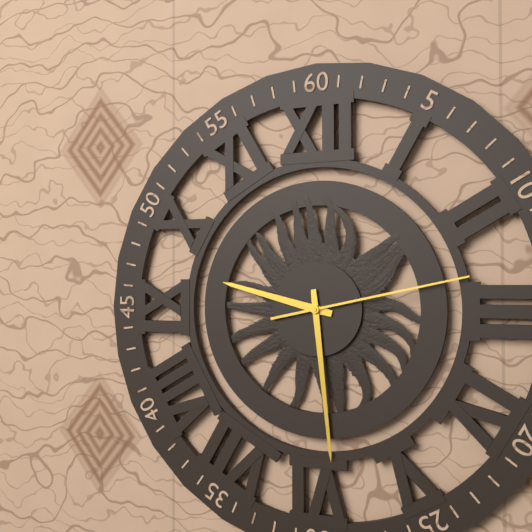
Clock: 9.29.13
